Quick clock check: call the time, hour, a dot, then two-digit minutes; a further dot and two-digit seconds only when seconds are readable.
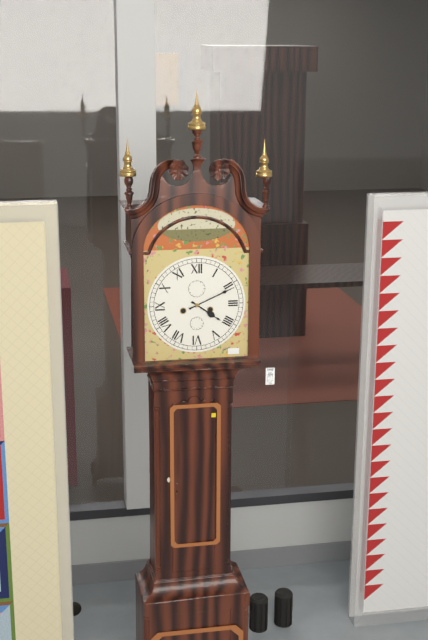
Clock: 4.11
